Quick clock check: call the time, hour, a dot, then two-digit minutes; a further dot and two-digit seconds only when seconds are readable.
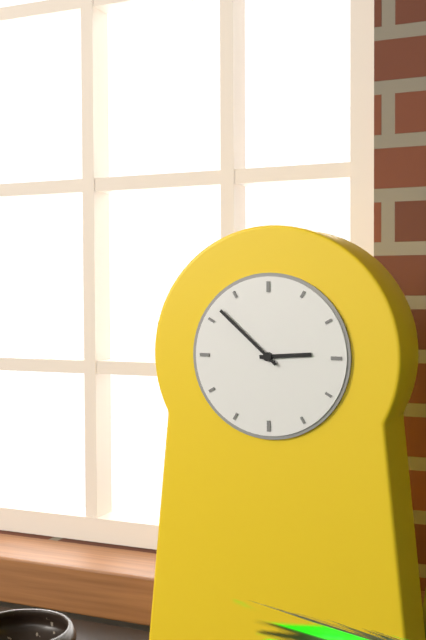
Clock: 2.52
